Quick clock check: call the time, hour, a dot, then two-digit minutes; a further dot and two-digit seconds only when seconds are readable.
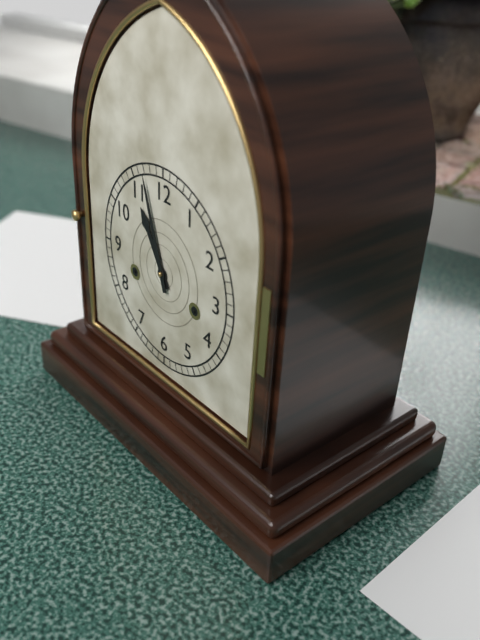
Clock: 10.57
